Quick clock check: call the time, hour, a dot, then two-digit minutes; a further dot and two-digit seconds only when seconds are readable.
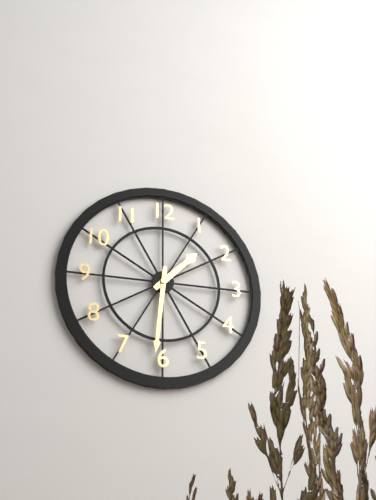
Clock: 1.31
